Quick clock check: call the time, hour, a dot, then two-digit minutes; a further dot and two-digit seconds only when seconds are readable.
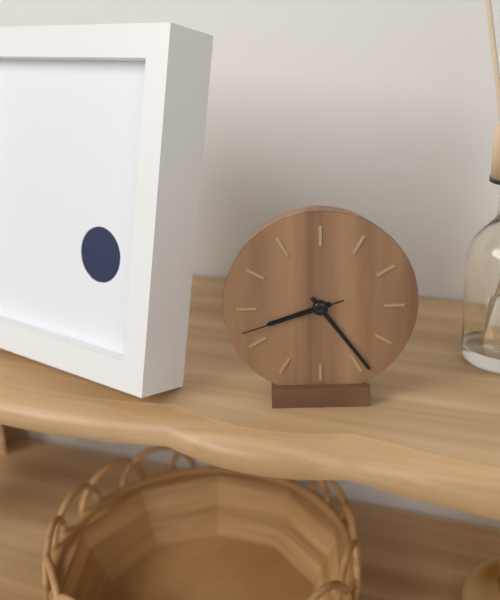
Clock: 8.24.42
